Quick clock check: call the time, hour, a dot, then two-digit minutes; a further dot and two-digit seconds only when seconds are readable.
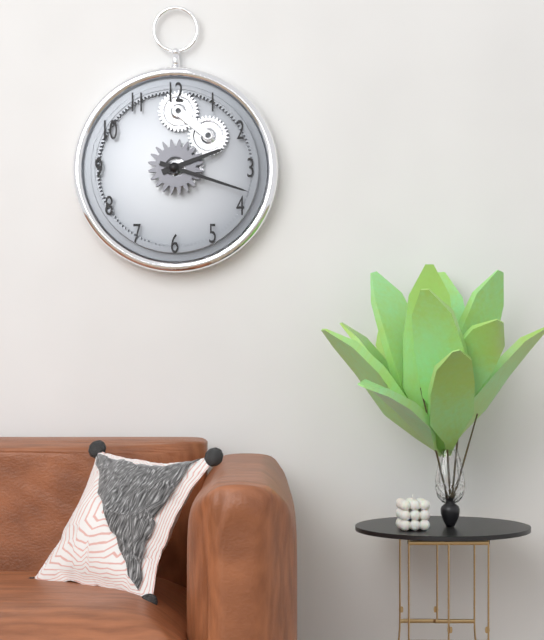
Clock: 2.18
